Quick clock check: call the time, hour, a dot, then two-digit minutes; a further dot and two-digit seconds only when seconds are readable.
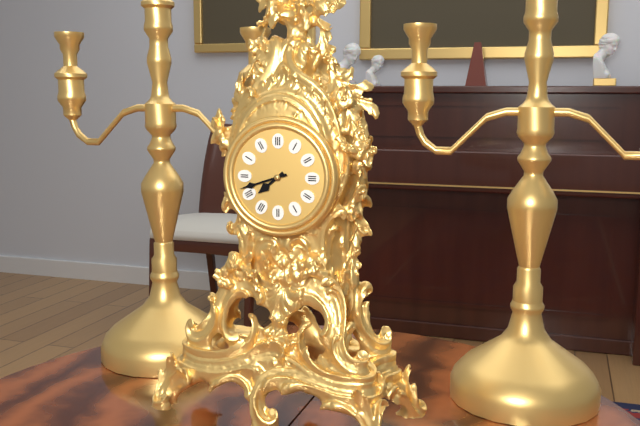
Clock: 7.42
